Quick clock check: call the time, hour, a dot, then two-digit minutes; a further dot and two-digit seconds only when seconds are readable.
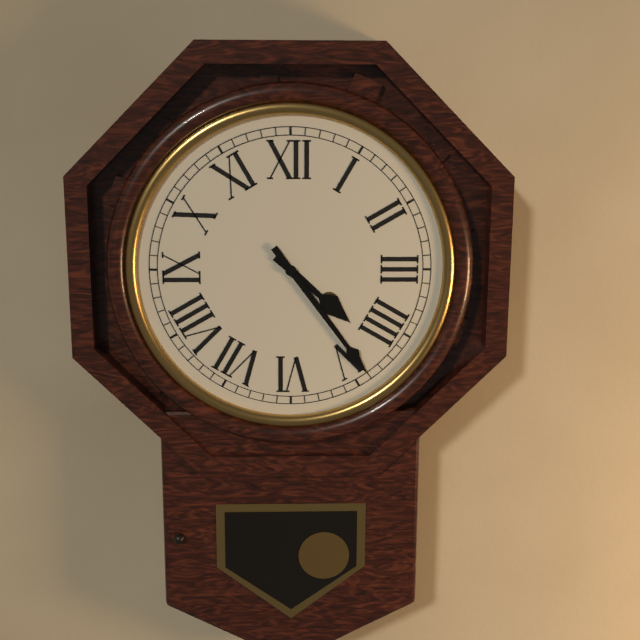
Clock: 4.24
